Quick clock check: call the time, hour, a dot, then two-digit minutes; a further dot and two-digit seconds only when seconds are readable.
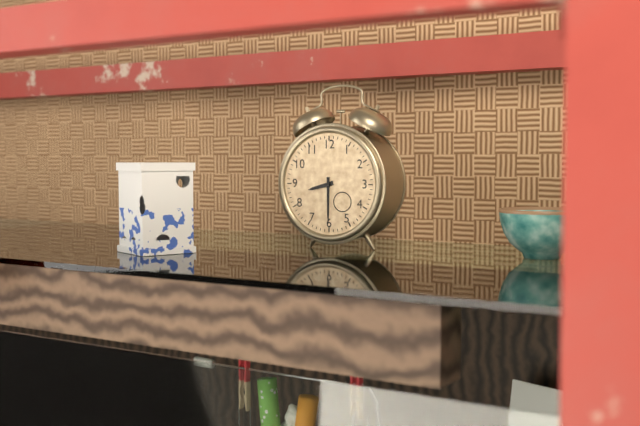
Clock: 8.30
